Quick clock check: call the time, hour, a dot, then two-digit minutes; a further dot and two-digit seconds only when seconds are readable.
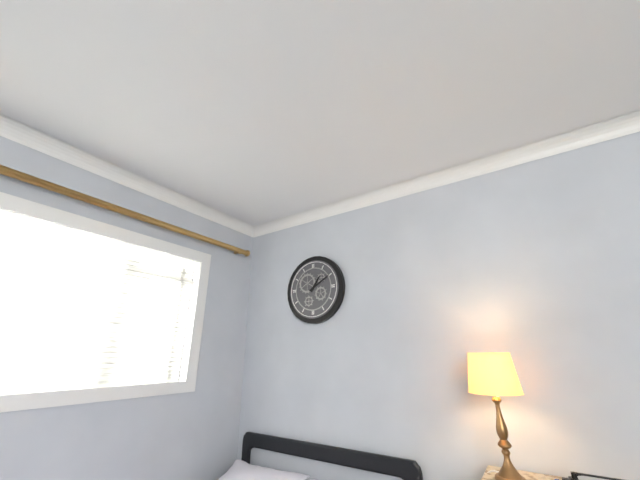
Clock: 1.10
